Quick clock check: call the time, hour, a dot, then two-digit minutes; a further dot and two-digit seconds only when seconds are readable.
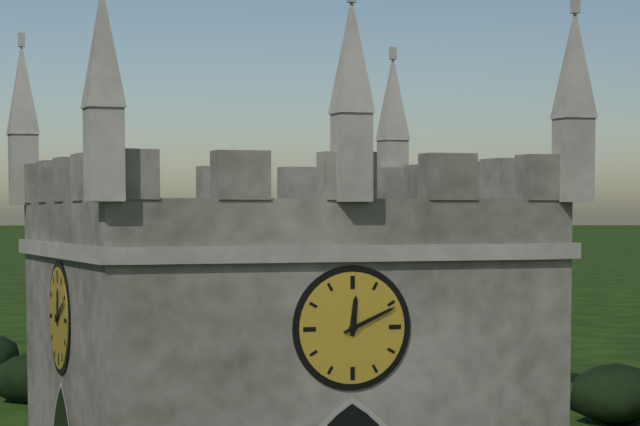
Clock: 12.11
